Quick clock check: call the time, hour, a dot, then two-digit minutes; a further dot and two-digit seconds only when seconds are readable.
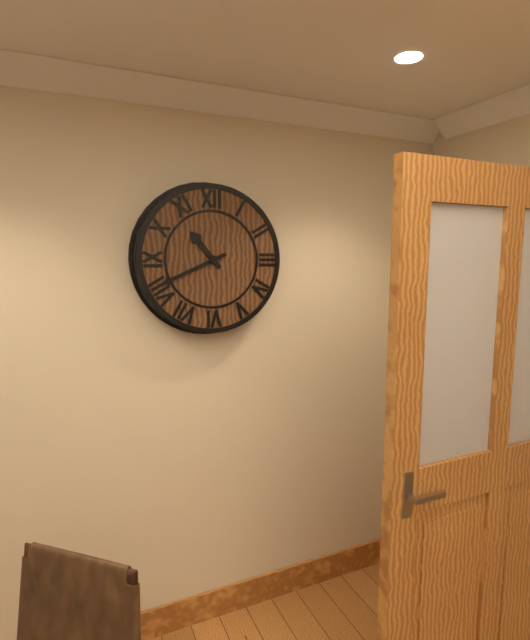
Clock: 10.41
